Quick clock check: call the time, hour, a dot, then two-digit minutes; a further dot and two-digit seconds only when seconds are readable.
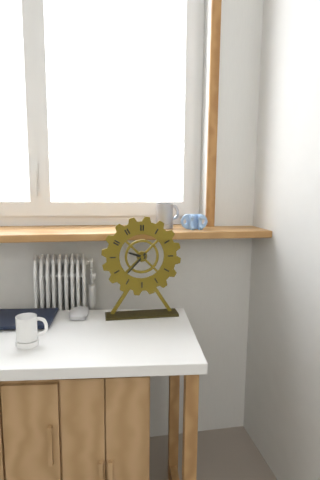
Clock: 9.37
